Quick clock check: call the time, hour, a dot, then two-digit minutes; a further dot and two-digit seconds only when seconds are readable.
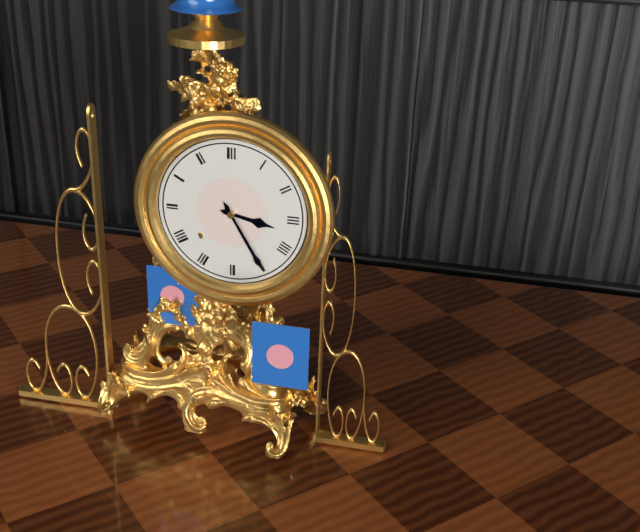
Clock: 3.25
